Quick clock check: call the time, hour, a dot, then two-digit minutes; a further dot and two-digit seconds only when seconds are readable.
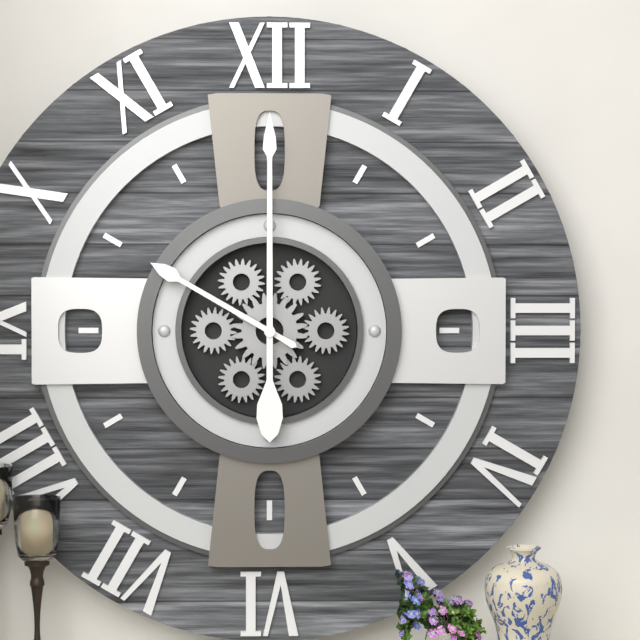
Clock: 10.00
